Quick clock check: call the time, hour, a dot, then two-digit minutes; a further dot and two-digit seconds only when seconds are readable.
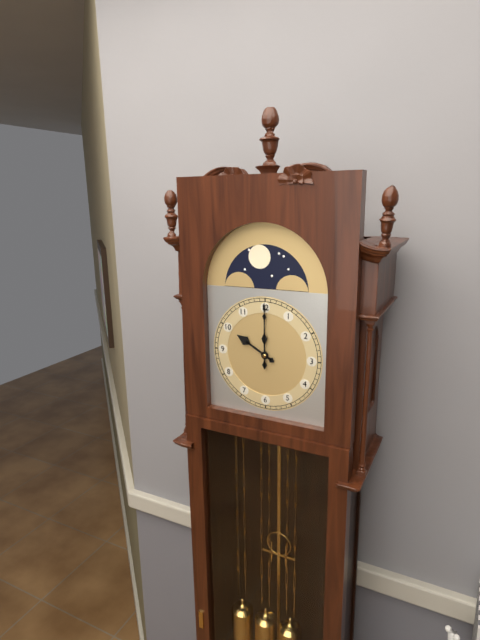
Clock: 10.00
